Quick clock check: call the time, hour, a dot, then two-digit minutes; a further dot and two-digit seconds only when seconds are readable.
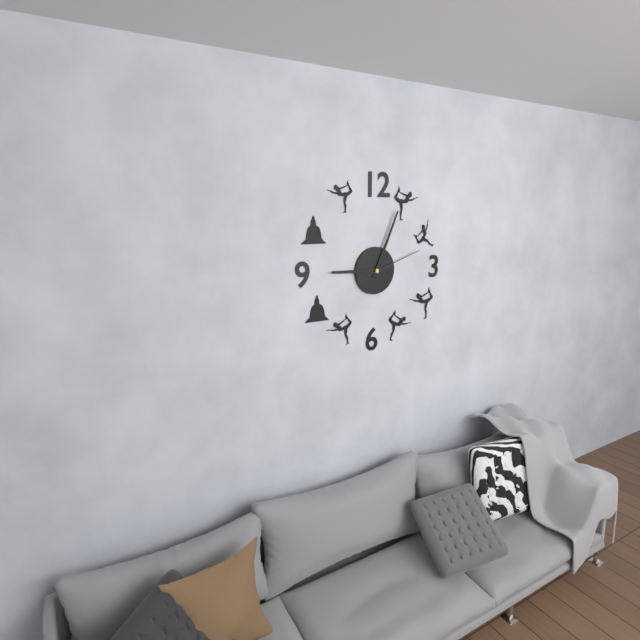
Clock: 9.04.12
